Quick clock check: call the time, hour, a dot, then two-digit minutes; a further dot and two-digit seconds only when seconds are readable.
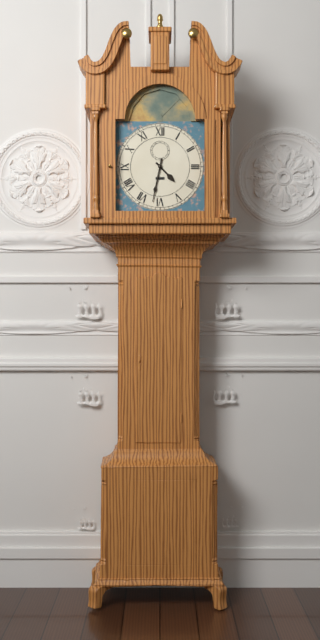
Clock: 4.32
